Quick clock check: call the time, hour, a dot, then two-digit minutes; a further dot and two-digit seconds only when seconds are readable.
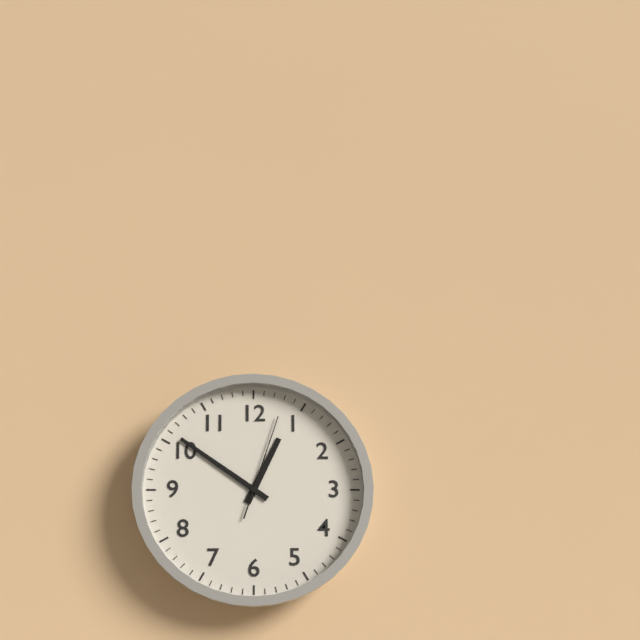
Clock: 12.51.03
